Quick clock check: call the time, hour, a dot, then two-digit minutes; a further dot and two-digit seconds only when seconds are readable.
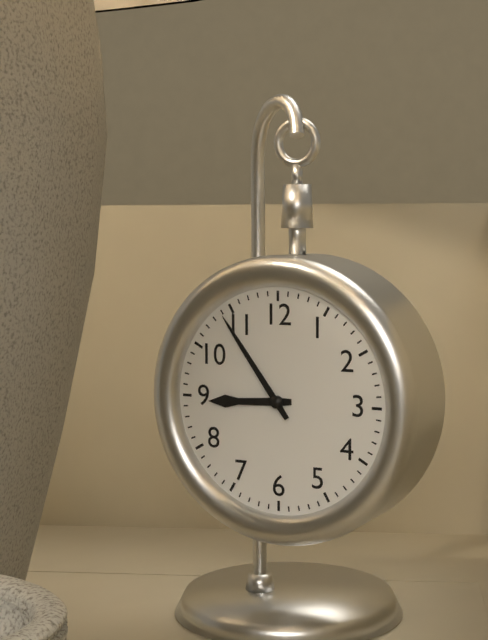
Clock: 8.54
